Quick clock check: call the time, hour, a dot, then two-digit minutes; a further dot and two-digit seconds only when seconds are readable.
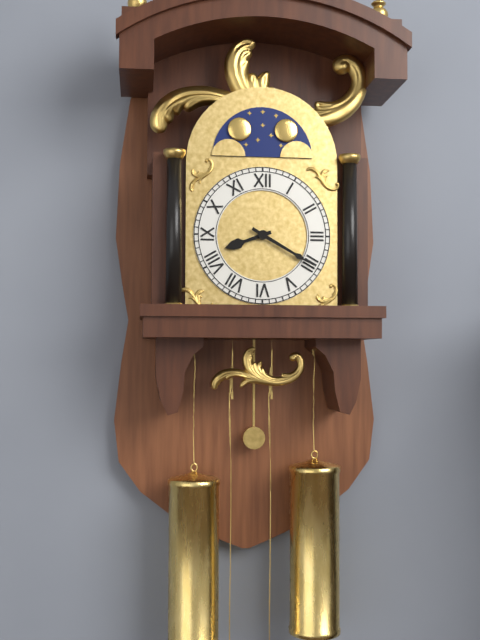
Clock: 8.20
